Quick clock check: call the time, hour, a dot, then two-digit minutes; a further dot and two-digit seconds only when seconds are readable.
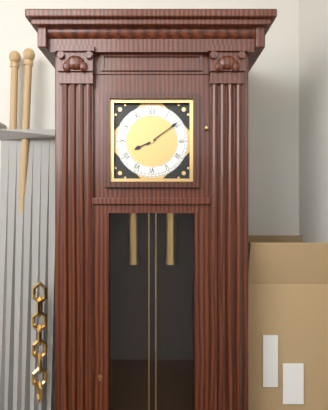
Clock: 8.09
